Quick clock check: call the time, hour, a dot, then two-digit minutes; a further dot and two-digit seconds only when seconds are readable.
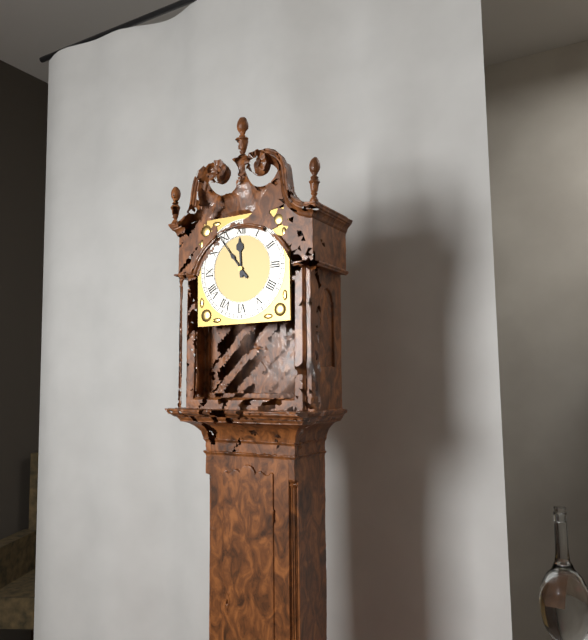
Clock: 11.54
